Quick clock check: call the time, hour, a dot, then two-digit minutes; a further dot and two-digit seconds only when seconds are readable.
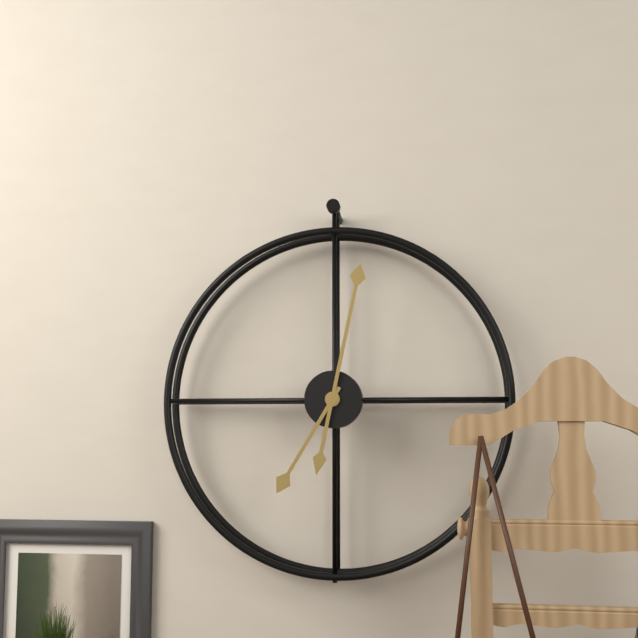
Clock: 7.02
